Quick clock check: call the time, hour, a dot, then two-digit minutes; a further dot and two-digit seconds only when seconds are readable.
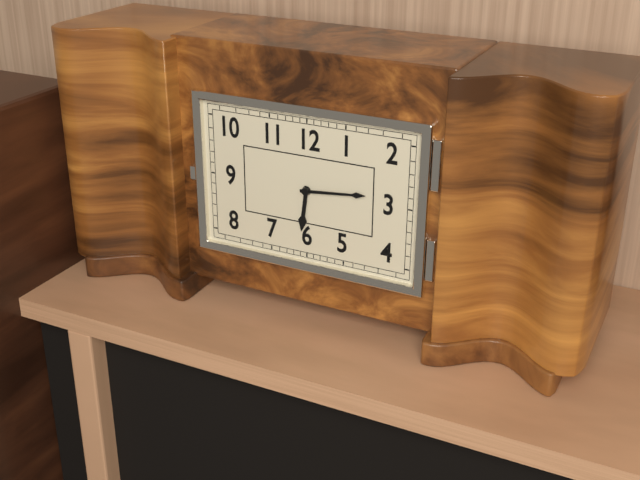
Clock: 6.14
